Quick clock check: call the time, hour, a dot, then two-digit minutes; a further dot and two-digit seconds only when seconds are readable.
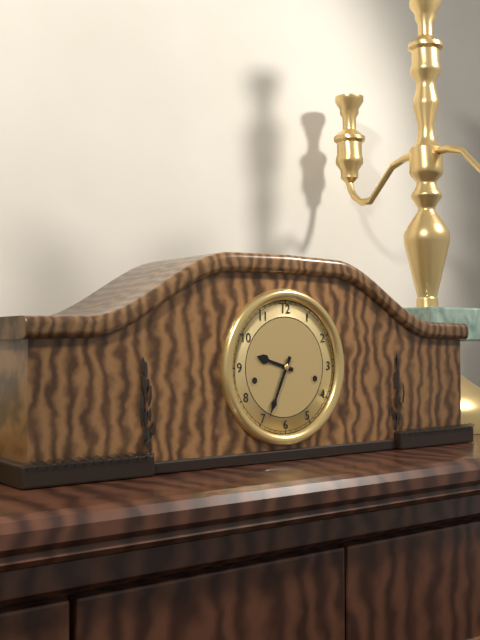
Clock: 9.34
